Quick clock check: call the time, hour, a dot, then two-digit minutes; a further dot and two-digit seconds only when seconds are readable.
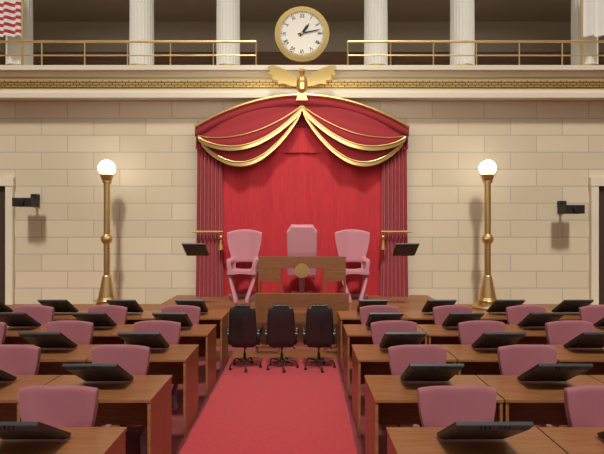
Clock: 1.13
